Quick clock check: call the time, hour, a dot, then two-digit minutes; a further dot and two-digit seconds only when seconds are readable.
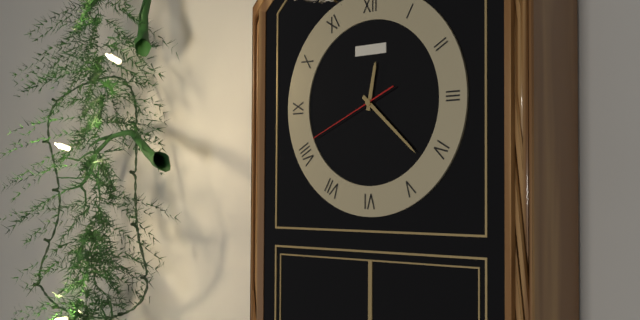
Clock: 12.22.41
